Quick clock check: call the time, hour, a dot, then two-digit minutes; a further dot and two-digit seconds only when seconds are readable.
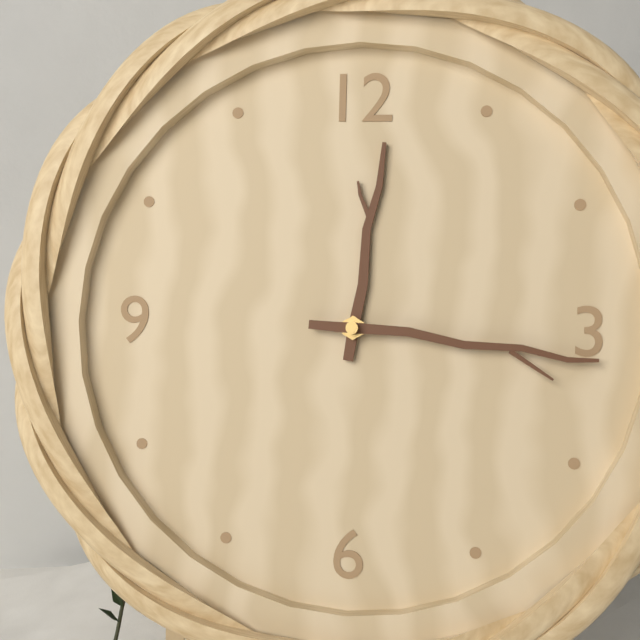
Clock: 12.16
